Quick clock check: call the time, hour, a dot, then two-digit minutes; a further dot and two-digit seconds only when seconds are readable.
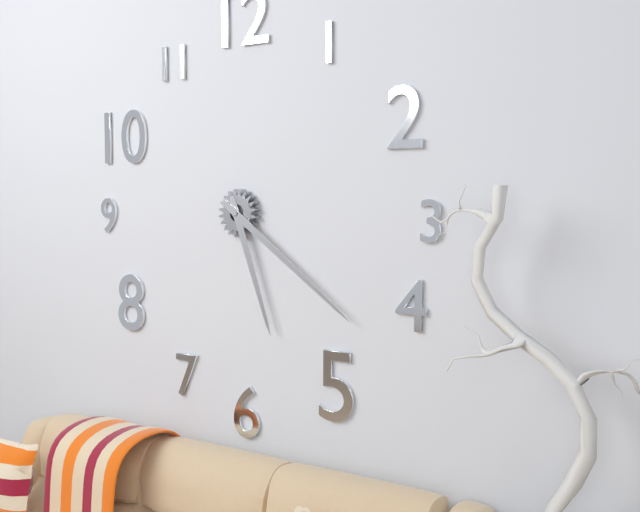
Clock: 5.21
